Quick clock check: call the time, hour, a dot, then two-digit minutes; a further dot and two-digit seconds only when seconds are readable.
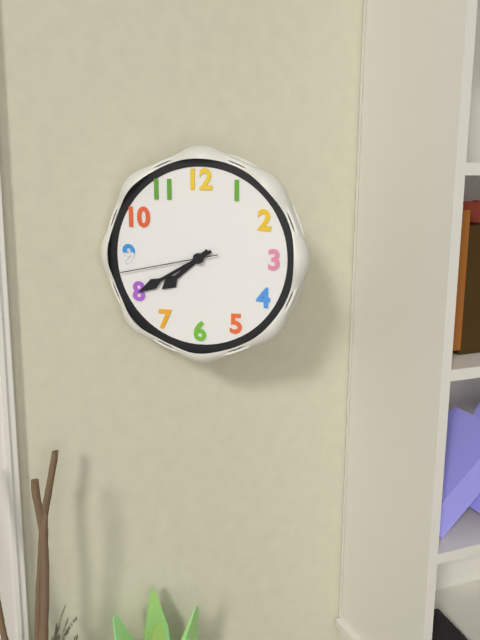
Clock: 7.40.43
